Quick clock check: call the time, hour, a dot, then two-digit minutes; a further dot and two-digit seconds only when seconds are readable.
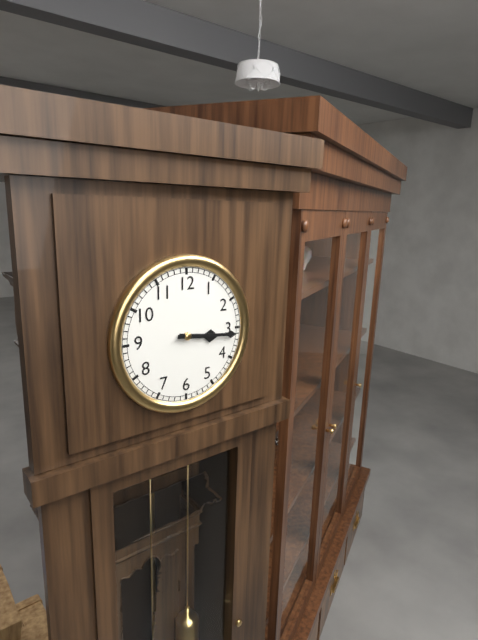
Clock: 3.16
